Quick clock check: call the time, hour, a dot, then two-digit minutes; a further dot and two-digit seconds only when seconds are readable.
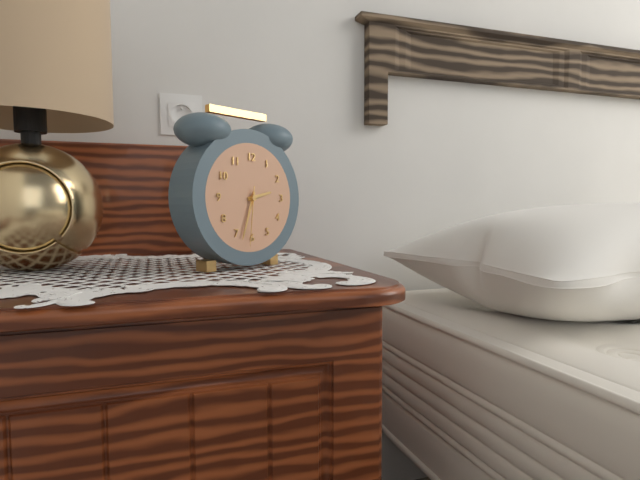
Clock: 2.33.31
